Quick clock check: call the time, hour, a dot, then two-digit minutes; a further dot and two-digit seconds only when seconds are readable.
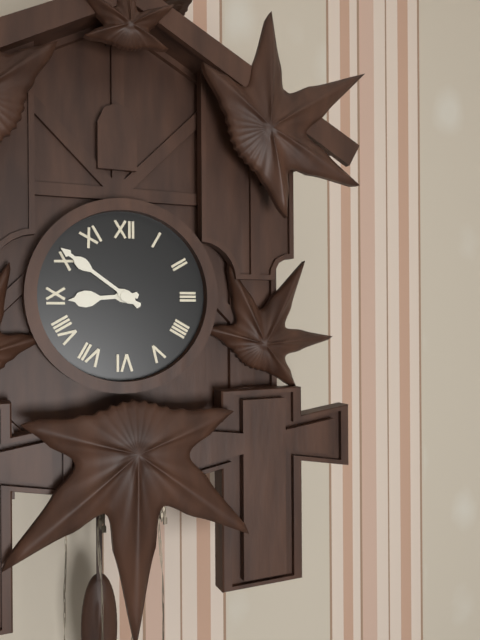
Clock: 8.51
